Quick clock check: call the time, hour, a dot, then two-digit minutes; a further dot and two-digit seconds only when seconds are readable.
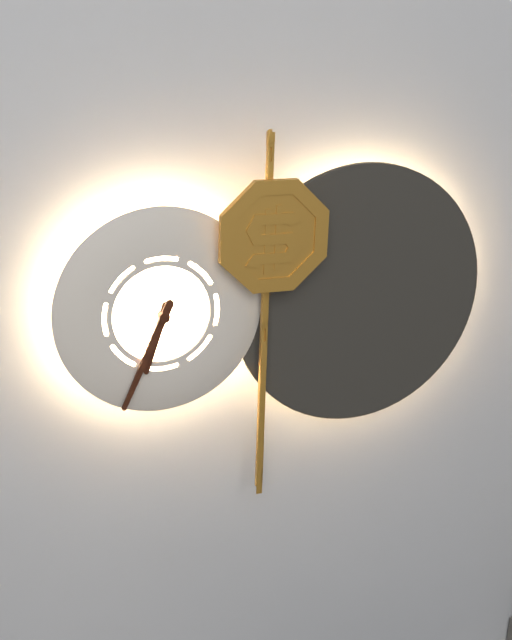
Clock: 6.34
